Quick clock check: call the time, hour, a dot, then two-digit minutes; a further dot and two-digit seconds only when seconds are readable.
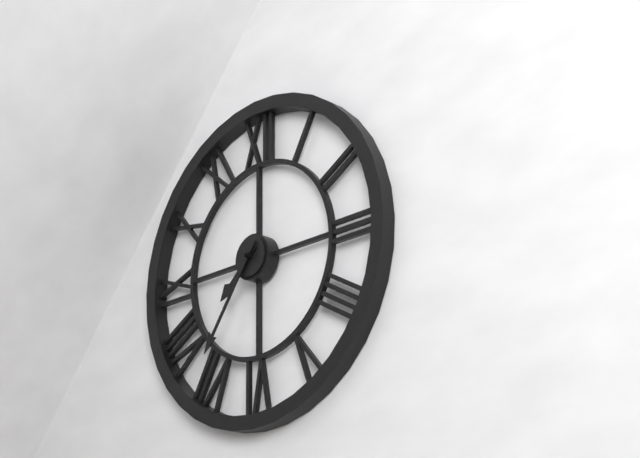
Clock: 7.36
